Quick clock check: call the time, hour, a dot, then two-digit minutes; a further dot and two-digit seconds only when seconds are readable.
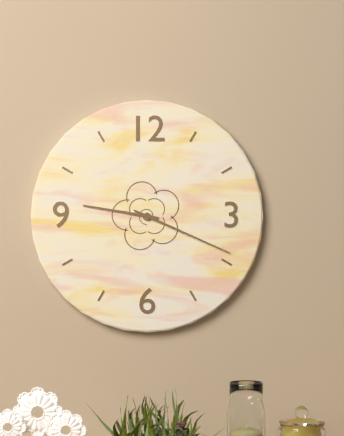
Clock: 9.19
